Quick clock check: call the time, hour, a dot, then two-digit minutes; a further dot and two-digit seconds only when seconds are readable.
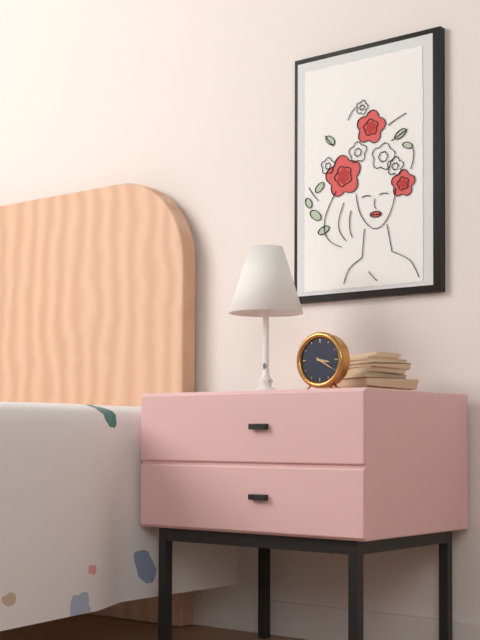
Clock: 3.20
